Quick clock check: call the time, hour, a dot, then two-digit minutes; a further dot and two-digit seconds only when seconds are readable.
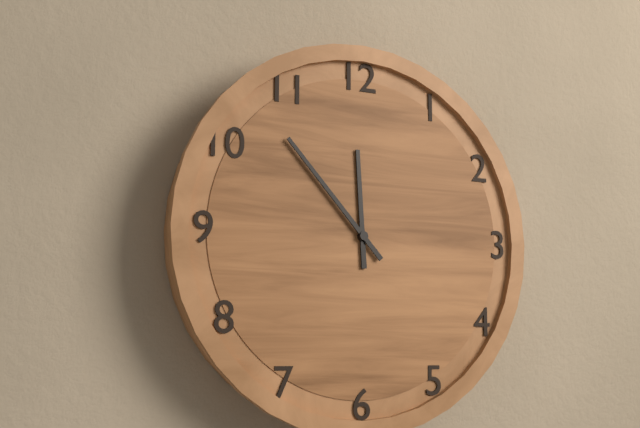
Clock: 11.53
